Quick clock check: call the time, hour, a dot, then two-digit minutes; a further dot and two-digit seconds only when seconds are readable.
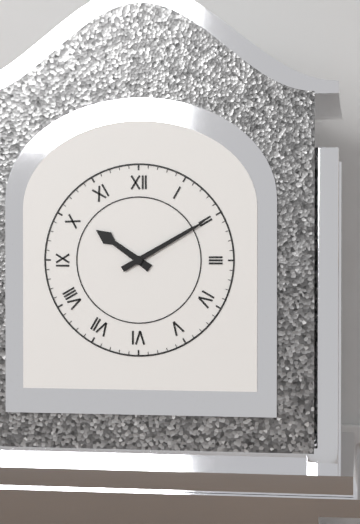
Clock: 10.10
